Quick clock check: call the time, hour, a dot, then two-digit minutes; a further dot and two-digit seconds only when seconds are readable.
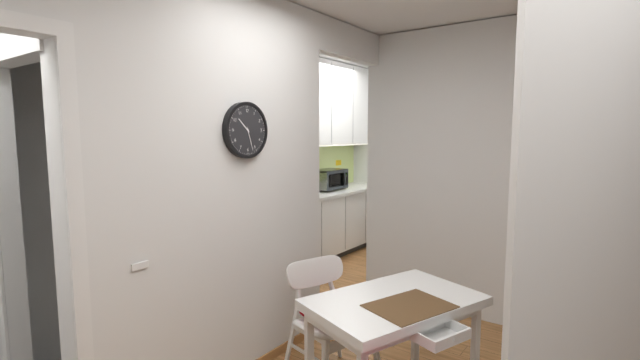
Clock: 10.27
